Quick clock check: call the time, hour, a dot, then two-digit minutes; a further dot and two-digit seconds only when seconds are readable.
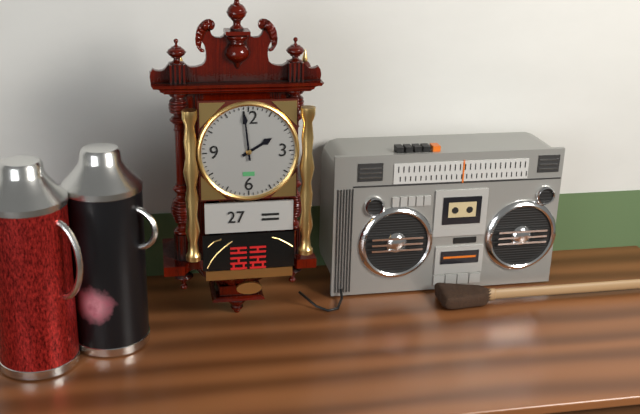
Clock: 1.59
